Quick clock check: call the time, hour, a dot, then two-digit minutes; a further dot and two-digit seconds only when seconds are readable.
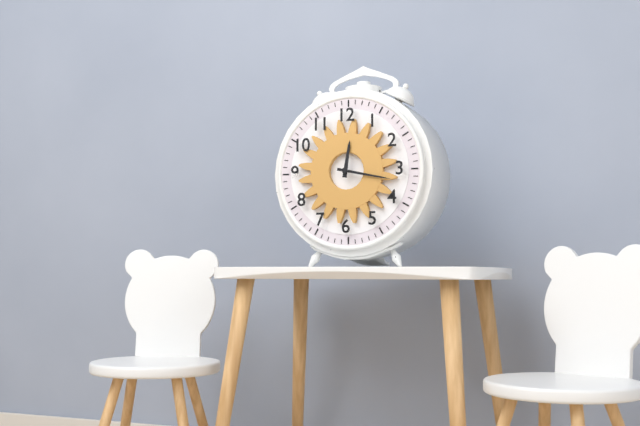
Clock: 12.17
